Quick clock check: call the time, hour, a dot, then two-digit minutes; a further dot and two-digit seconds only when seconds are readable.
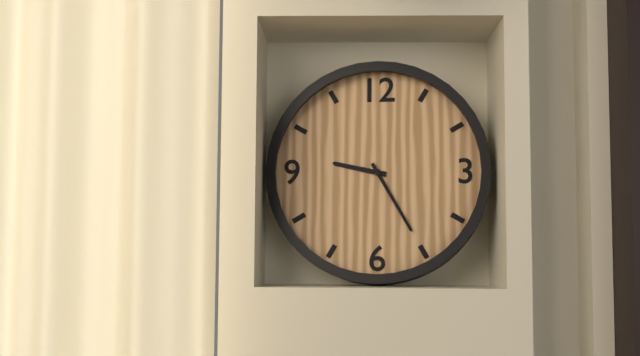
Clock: 9.25
